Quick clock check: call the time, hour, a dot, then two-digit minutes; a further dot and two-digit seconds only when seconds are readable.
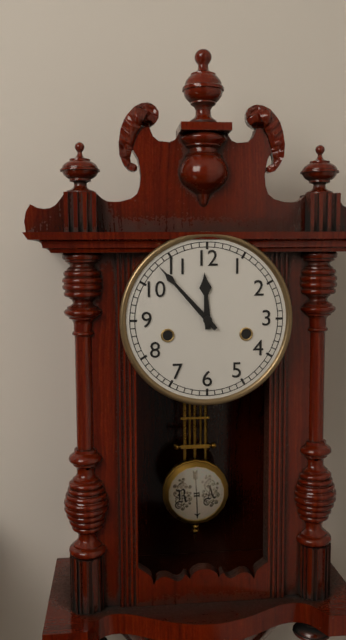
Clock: 11.53
